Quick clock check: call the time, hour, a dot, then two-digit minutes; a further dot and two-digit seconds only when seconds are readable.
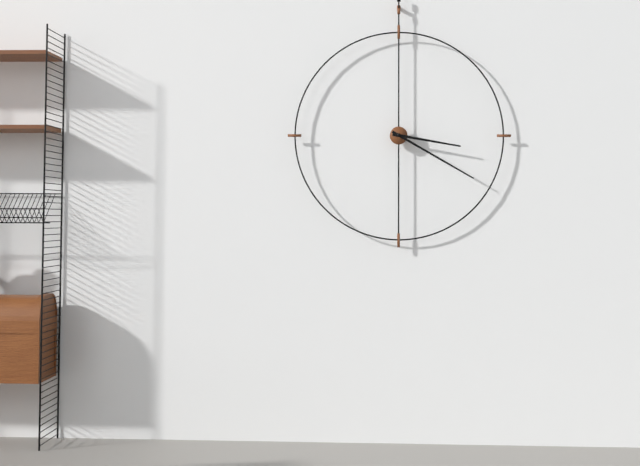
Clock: 3.20
